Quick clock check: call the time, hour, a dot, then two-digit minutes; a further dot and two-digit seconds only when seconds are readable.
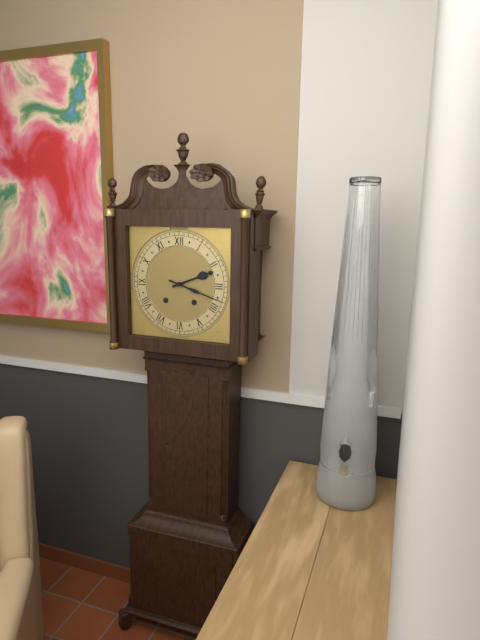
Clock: 2.18
